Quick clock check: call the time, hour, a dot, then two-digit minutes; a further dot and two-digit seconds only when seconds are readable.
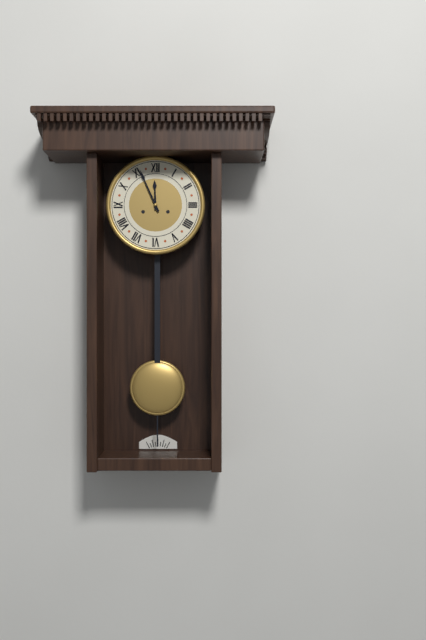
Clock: 11.56
